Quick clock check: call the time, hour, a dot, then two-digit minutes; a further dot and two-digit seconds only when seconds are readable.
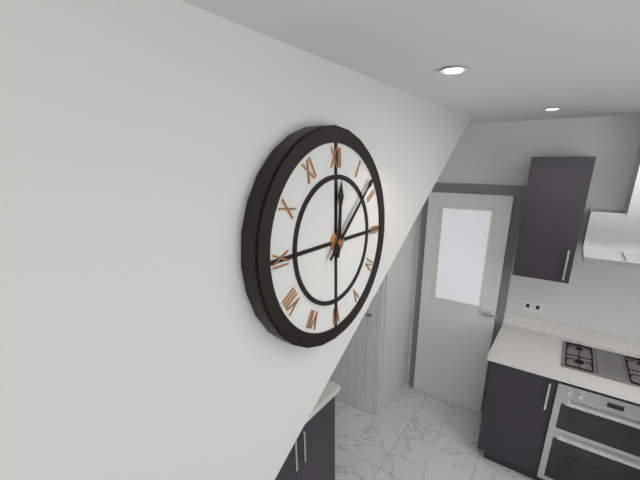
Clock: 12.08
